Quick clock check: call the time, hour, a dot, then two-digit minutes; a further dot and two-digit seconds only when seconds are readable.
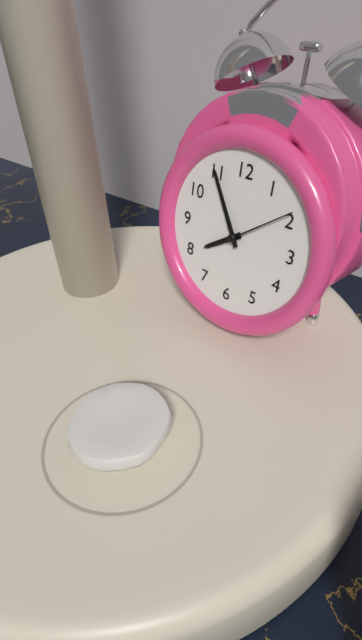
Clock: 7.55.09
